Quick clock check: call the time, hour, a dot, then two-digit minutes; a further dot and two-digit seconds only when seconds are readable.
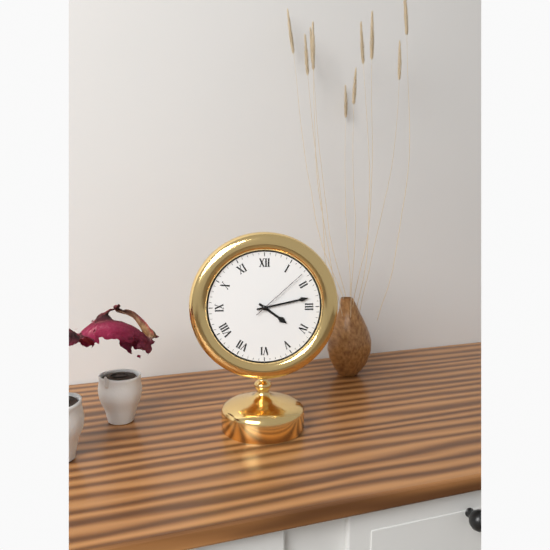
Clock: 4.13.08
